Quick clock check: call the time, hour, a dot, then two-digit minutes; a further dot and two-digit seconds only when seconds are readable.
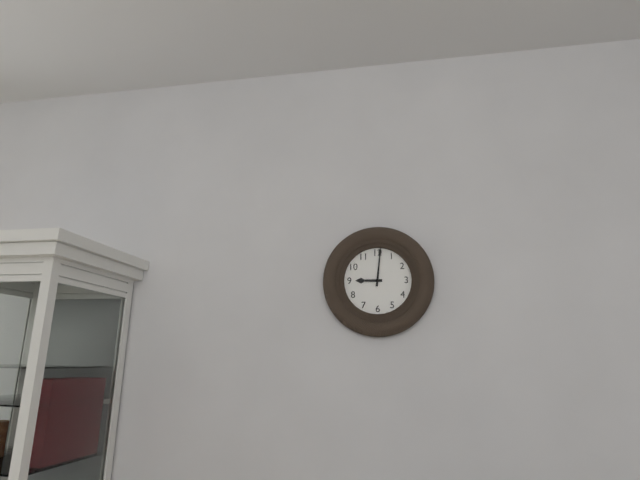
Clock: 9.01
